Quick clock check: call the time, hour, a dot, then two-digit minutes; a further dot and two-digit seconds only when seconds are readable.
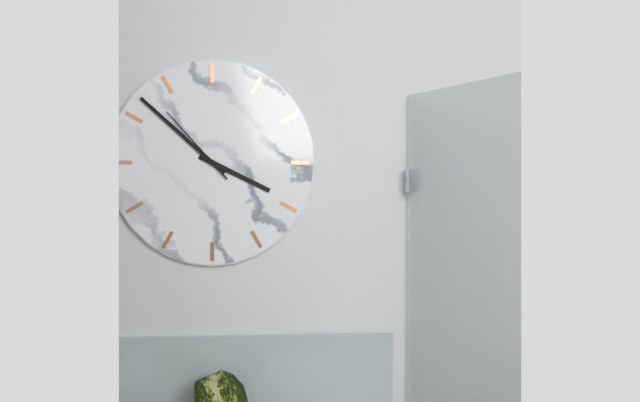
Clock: 3.52.53
